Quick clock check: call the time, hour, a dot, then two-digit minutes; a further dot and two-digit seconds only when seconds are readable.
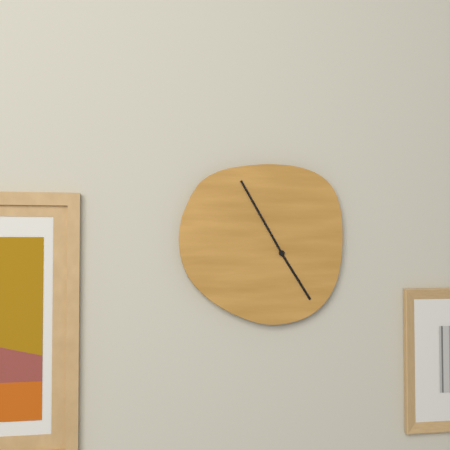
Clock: 4.55
